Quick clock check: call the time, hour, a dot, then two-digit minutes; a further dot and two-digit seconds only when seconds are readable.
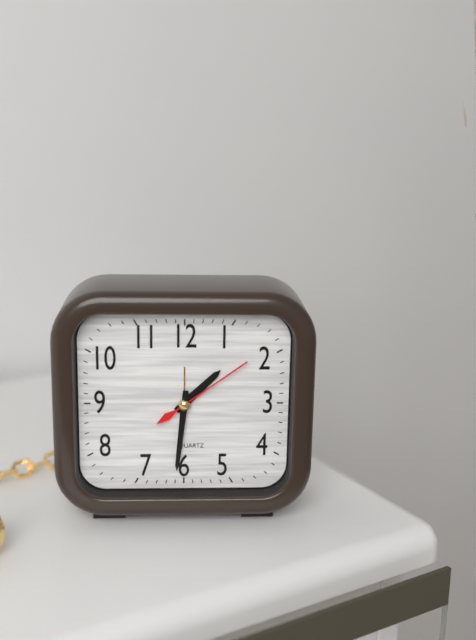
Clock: 1.31.09
